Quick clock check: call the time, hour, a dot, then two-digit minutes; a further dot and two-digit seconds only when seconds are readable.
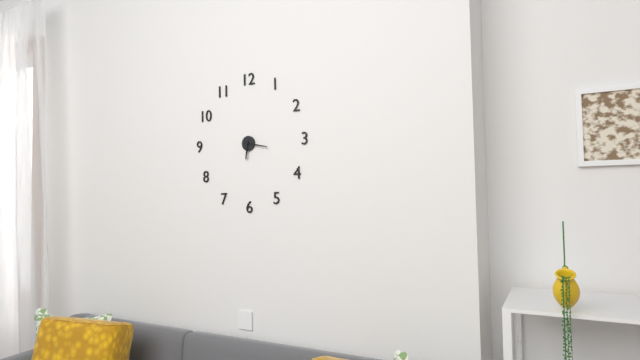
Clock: 6.17
